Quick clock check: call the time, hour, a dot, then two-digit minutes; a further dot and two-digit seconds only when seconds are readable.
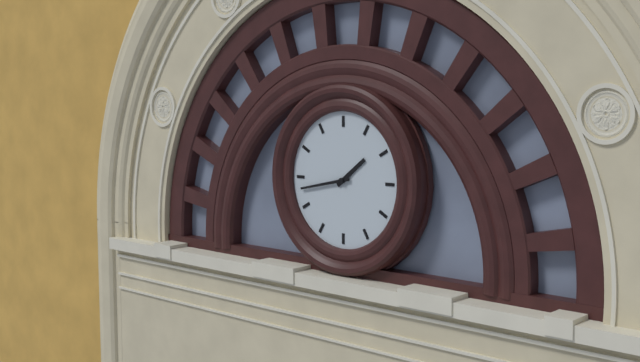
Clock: 1.43
